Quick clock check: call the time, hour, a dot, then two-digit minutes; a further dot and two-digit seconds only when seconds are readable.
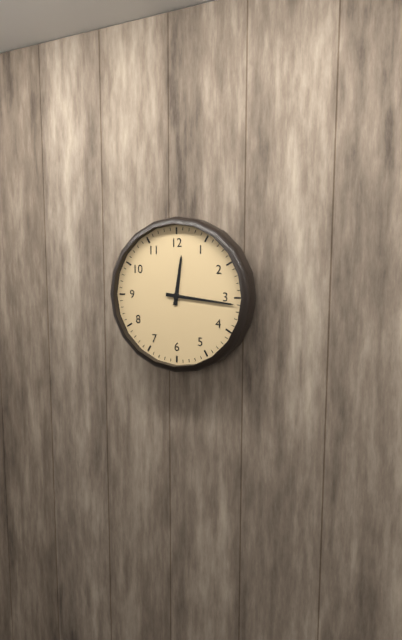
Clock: 12.16
